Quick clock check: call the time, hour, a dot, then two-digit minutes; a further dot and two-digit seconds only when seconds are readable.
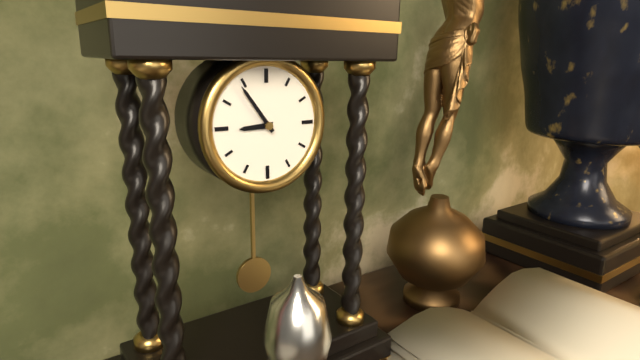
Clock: 8.54
